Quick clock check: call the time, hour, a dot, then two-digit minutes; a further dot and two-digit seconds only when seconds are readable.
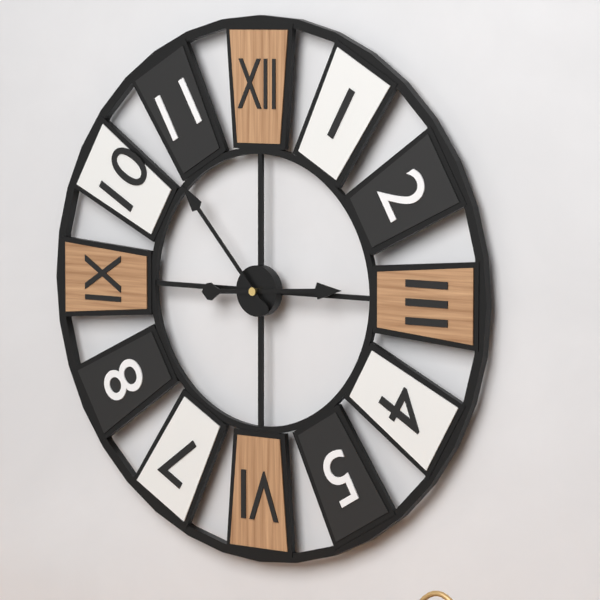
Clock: 2.53
